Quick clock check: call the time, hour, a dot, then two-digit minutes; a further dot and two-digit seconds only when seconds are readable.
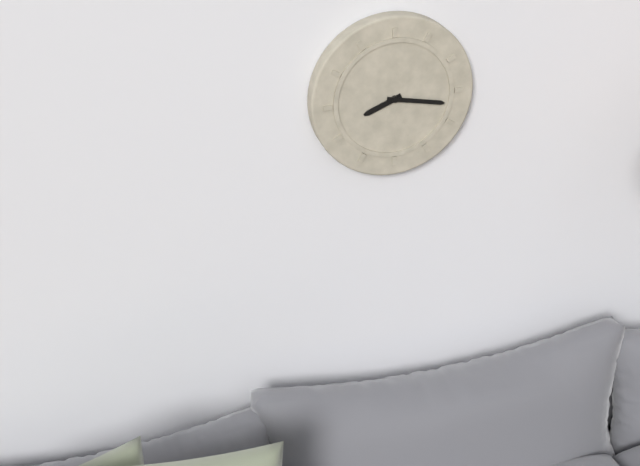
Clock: 8.17
